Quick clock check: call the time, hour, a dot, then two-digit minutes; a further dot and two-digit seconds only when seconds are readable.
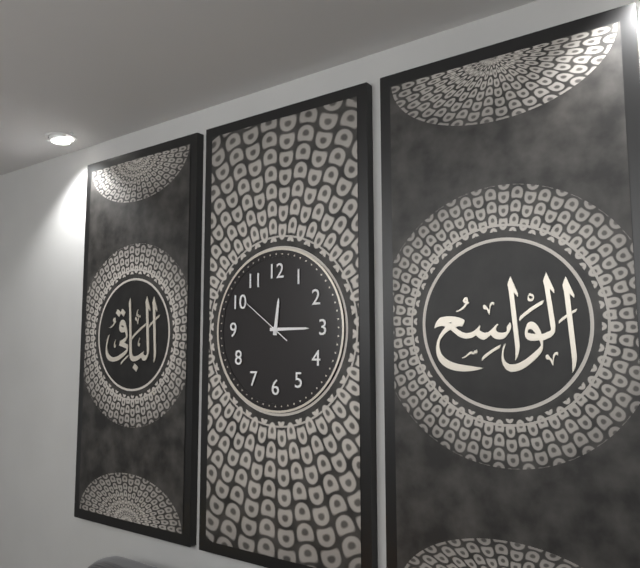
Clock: 12.15.51
